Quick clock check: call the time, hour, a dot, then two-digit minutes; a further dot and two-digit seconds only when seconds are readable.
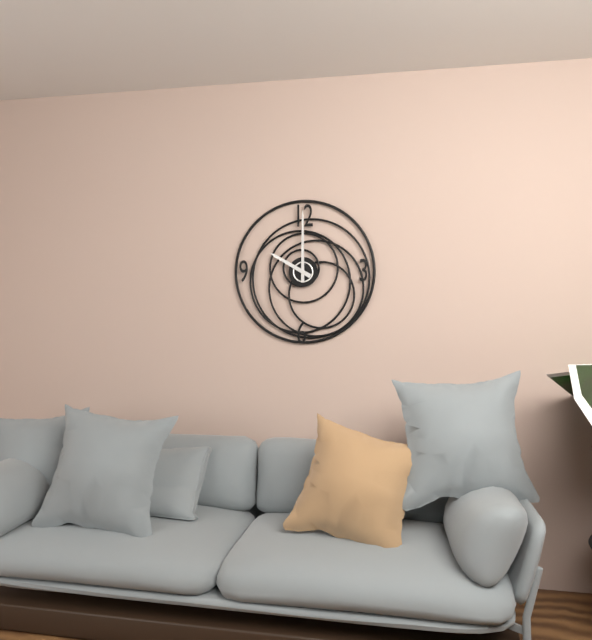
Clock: 10.00
